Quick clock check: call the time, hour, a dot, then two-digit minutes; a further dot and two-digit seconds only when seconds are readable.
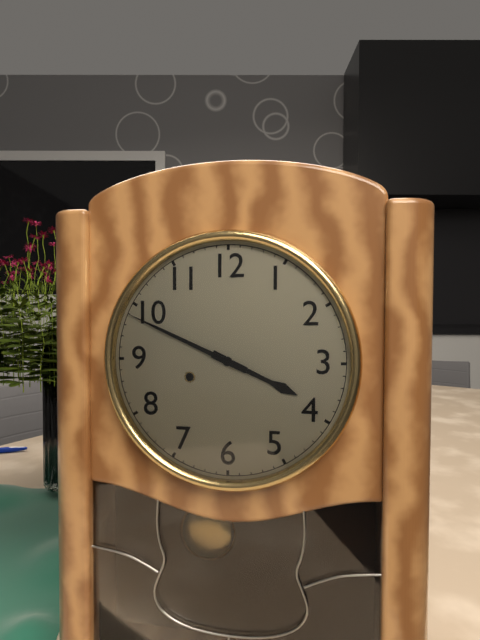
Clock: 3.49
